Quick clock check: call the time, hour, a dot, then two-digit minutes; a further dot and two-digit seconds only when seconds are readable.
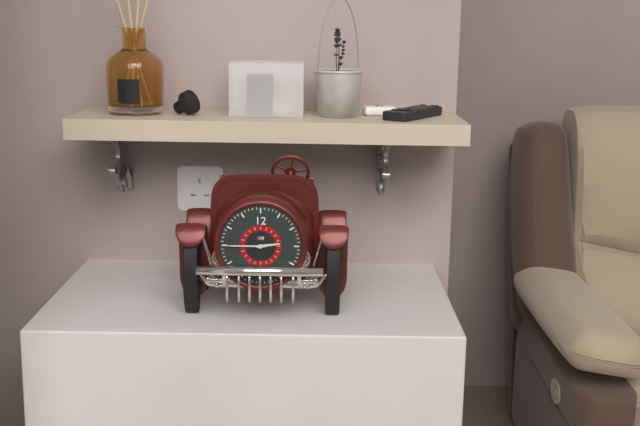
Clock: 2.45
